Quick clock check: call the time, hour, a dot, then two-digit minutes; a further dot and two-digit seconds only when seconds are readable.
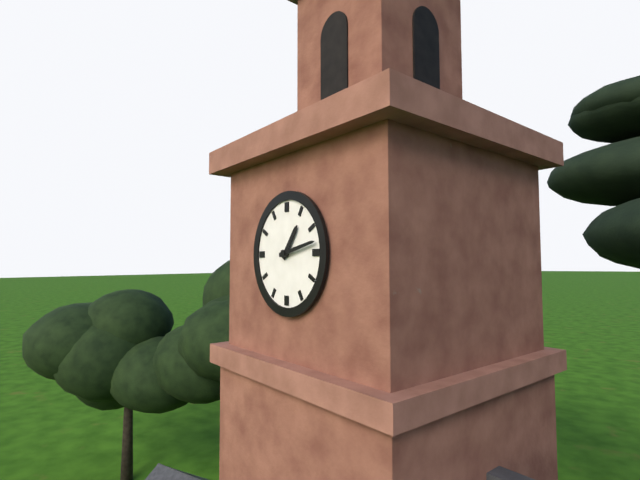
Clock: 1.13
